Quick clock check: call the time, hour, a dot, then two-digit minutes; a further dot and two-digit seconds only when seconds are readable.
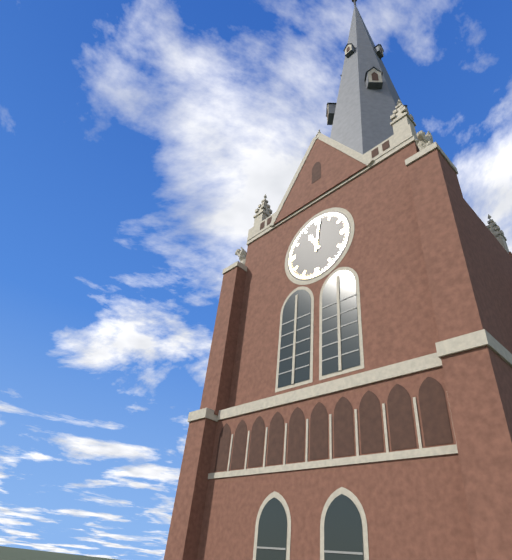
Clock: 11.01
